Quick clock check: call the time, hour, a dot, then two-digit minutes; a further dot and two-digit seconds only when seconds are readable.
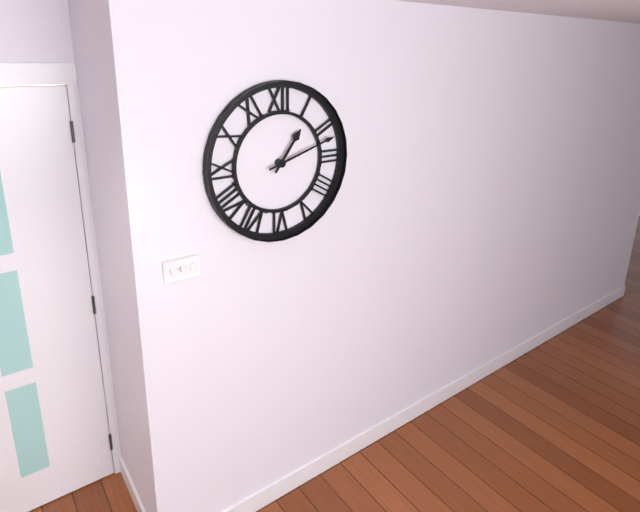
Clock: 1.12
